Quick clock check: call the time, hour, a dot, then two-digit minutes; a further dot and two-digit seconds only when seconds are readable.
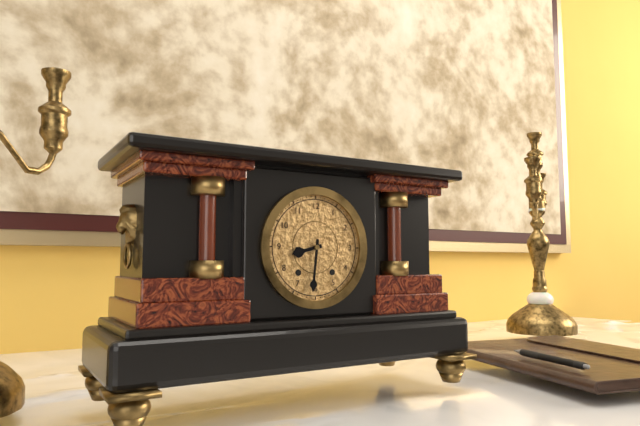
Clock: 8.31
